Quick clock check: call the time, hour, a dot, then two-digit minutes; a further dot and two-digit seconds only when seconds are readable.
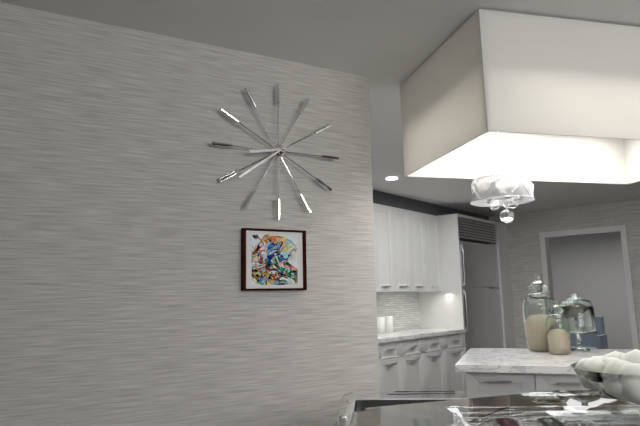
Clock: 8.39
